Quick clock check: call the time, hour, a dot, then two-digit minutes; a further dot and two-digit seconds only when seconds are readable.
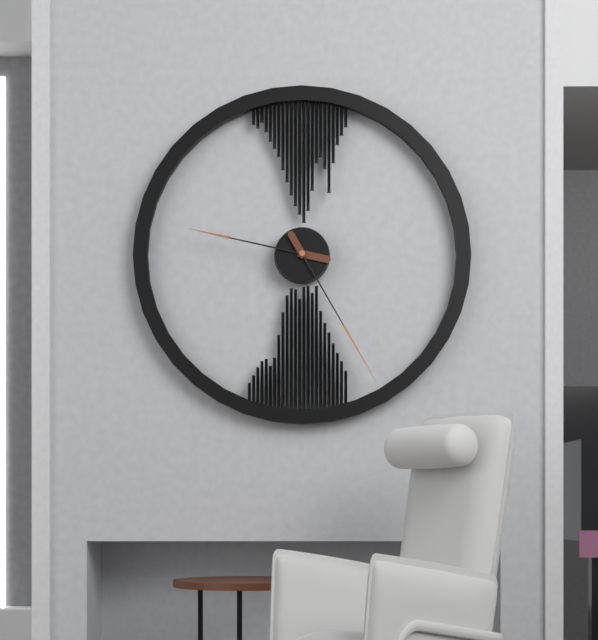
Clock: 9.25
